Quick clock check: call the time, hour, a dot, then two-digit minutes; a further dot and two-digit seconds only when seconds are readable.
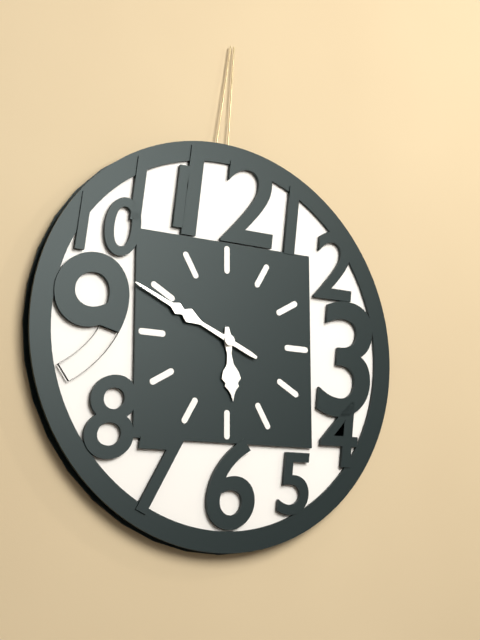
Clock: 5.49
